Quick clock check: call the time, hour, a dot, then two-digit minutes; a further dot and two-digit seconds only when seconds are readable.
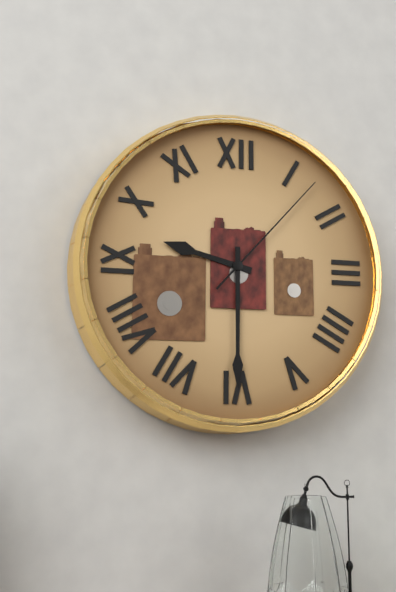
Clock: 9.30.07
